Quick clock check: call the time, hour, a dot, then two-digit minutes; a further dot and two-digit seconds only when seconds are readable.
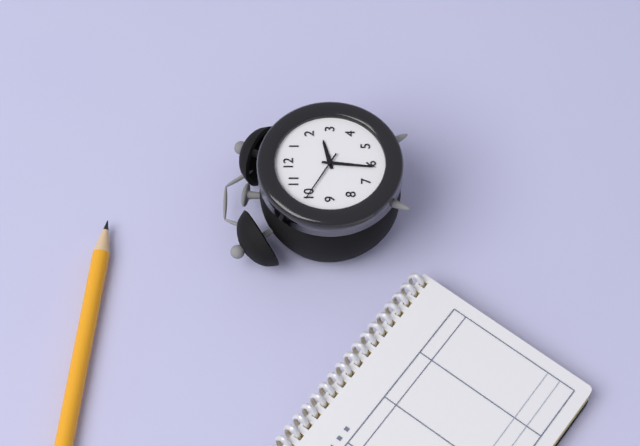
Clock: 2.31.50
